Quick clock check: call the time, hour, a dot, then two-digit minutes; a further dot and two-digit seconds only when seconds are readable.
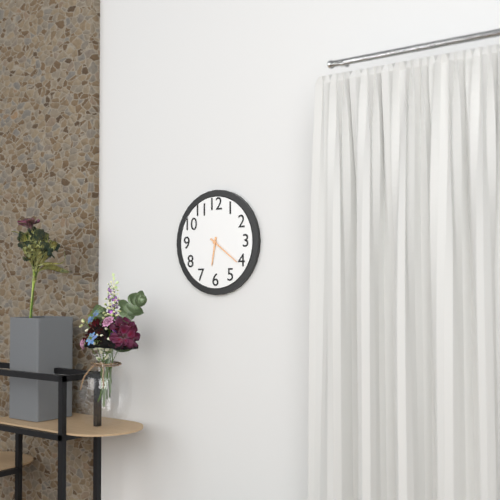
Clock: 6.21
